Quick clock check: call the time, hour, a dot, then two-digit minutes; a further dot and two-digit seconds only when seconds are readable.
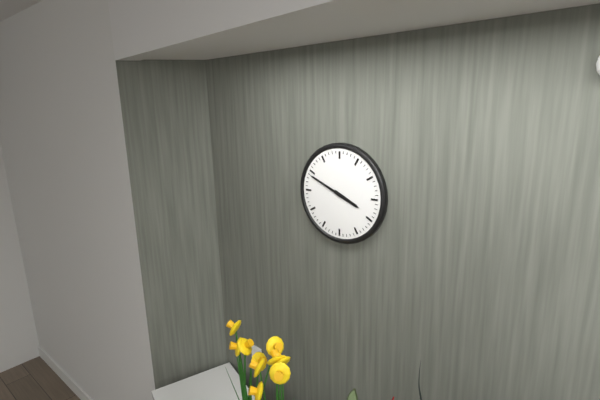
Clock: 3.49
